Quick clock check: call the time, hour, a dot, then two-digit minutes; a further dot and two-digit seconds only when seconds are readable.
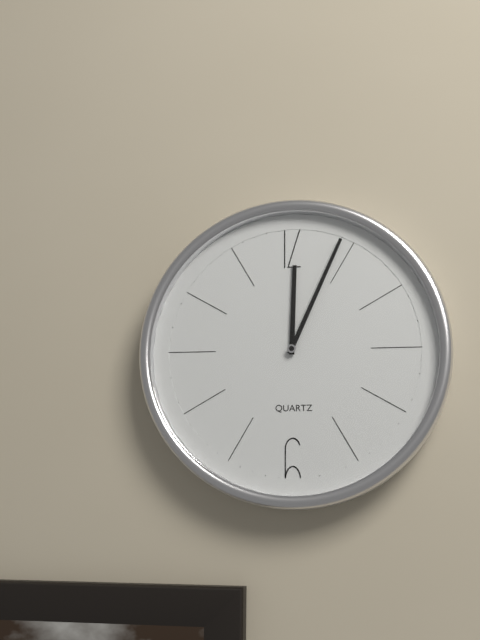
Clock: 12.04
